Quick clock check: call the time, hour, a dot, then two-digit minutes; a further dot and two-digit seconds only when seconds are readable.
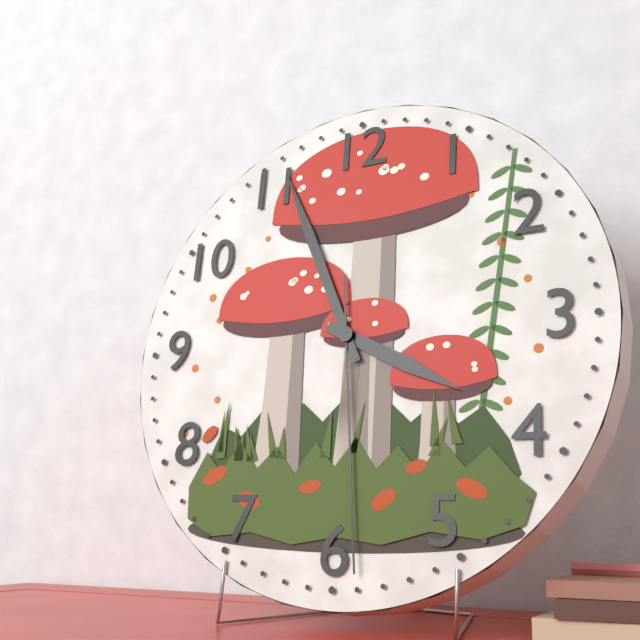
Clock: 3.56.29
